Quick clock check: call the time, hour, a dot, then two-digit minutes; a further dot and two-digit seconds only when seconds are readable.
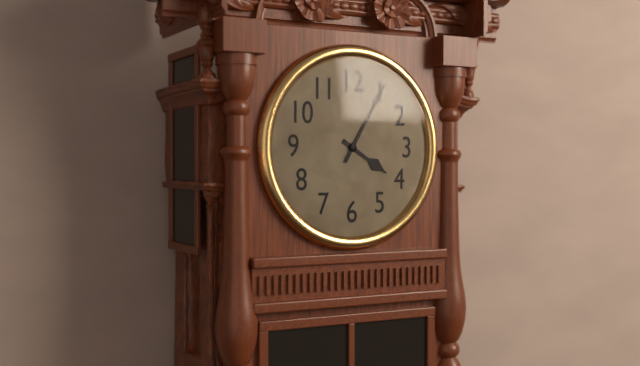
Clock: 4.05
